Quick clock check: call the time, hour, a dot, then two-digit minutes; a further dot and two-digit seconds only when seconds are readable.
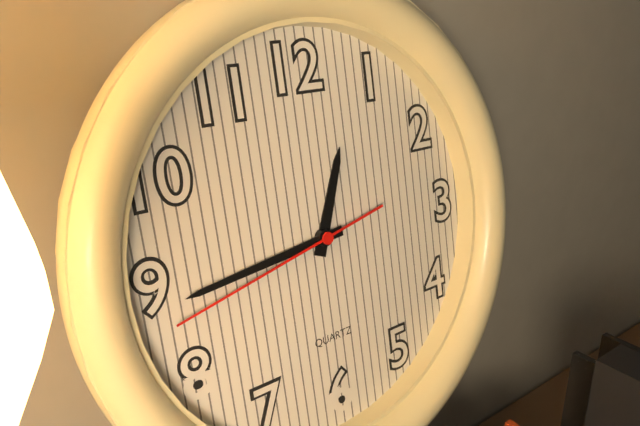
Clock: 12.44.43
